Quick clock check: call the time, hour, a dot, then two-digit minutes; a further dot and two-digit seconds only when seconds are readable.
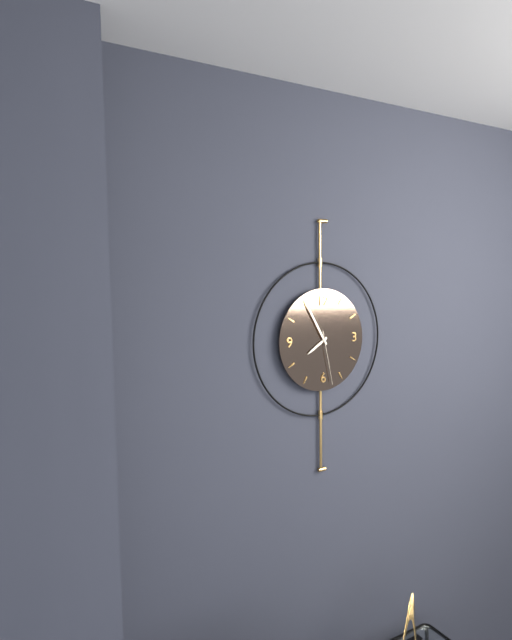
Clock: 7.55.28
